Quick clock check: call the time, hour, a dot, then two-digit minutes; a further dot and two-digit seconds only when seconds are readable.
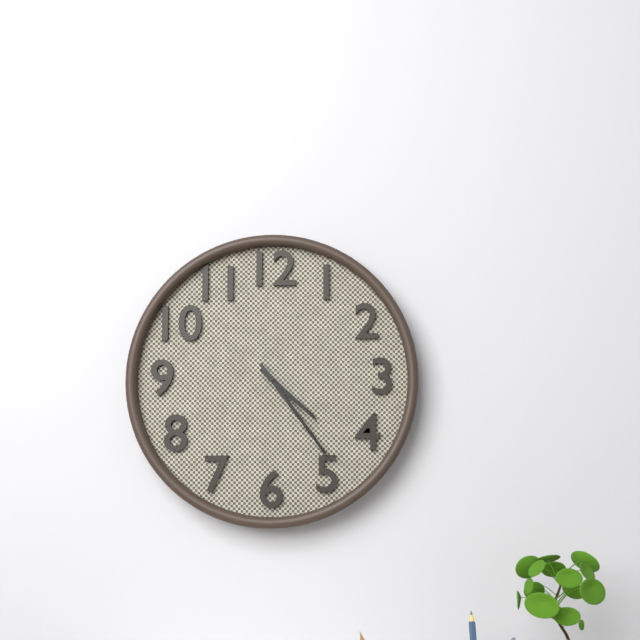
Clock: 4.24
